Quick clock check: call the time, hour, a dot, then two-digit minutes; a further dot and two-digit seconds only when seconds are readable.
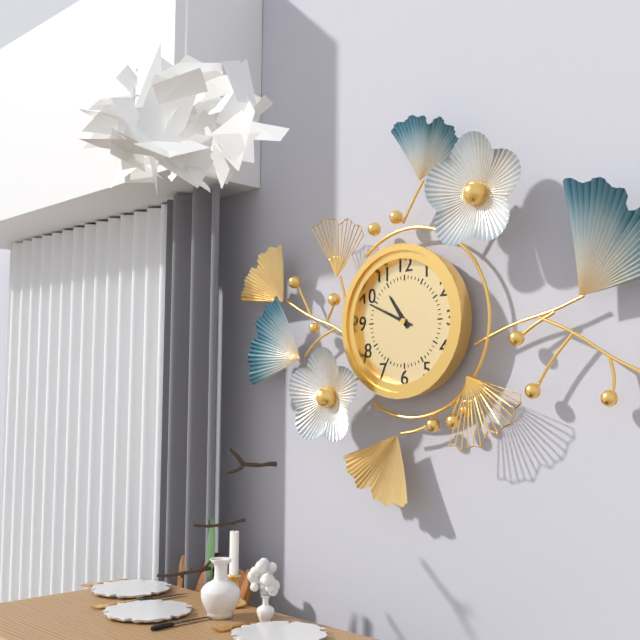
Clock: 10.49
